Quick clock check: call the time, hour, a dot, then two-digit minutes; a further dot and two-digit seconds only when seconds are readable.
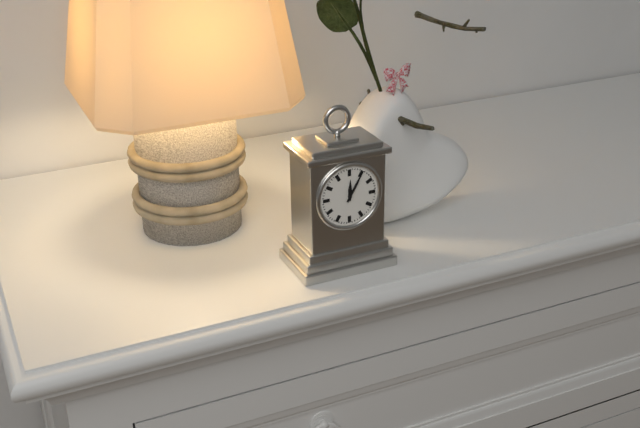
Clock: 12.05
